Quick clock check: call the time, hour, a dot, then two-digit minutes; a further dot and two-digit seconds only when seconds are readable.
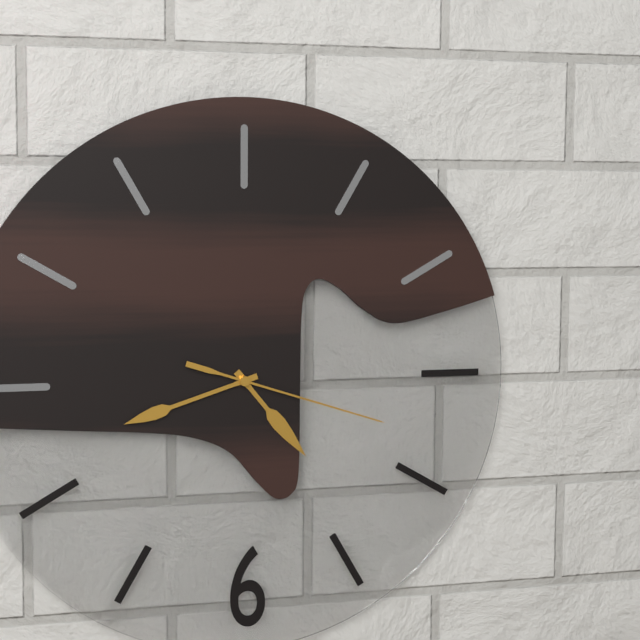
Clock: 4.42.18
